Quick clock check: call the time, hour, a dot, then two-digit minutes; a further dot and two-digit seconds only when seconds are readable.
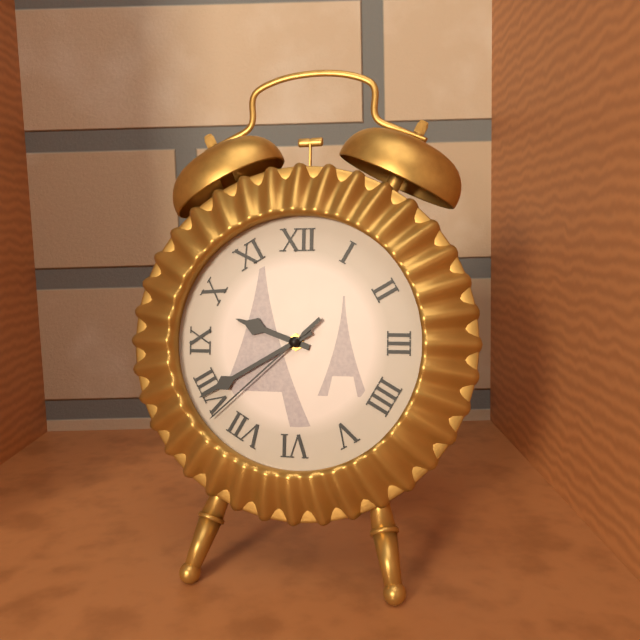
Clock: 9.40.38
